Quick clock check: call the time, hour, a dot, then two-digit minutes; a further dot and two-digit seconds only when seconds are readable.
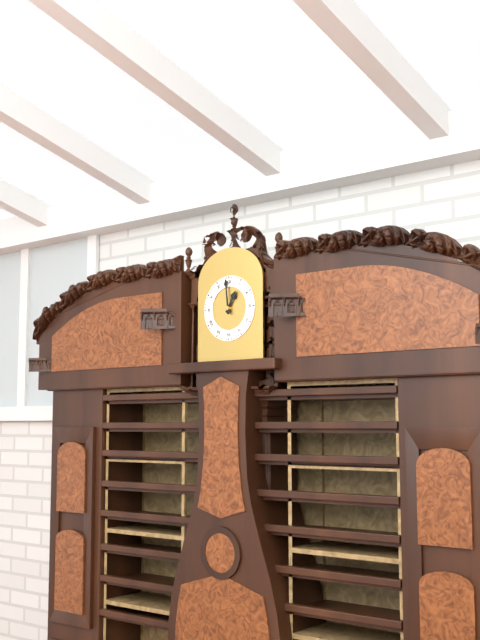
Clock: 12.59
